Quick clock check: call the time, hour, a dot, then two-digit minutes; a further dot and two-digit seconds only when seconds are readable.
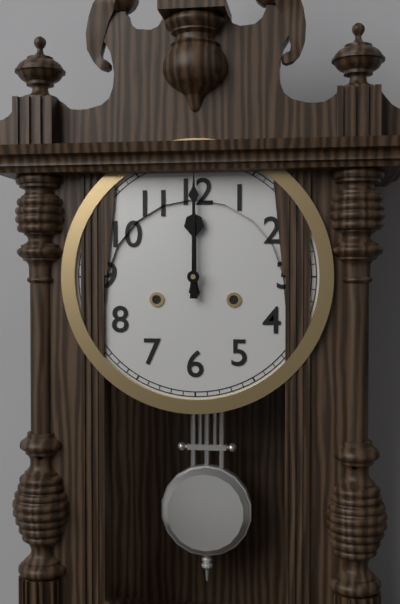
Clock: 12.00
